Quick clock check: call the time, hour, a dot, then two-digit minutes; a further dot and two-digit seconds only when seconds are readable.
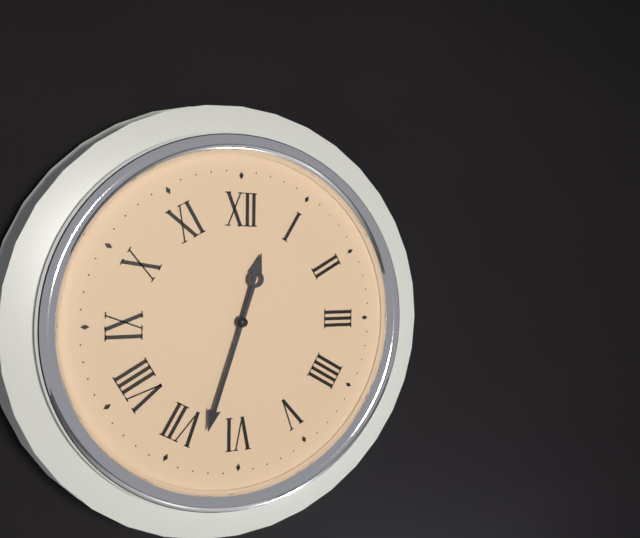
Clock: 12.33
